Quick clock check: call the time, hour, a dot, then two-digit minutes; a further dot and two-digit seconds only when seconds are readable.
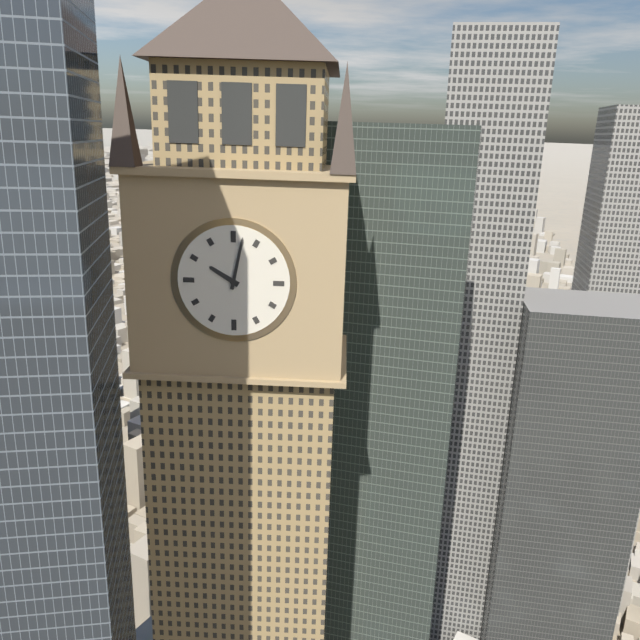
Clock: 10.02
